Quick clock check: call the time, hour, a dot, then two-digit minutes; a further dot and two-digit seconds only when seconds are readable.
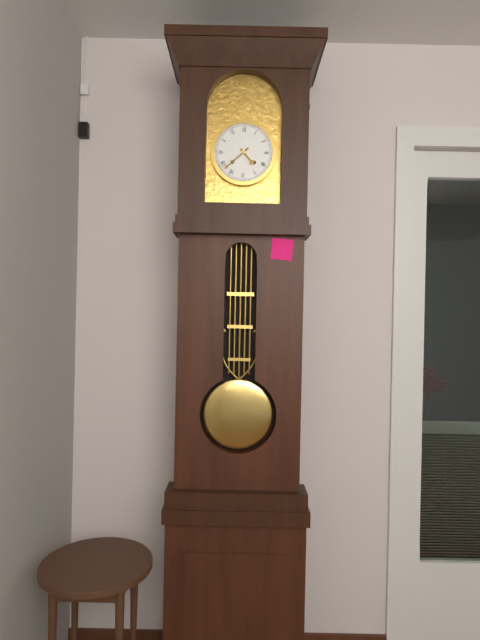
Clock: 4.38
